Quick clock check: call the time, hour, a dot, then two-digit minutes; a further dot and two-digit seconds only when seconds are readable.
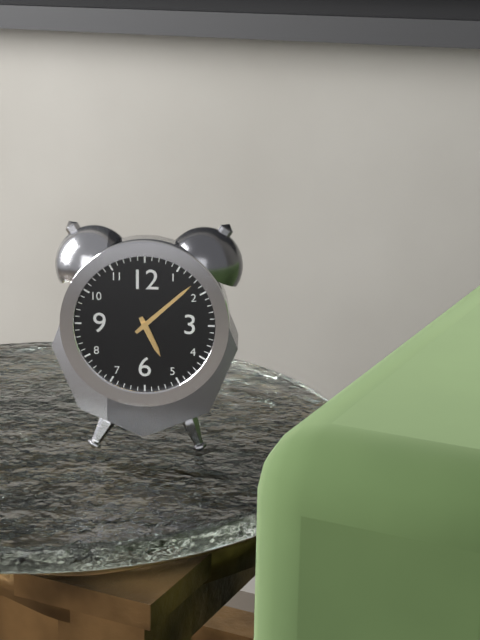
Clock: 5.08
